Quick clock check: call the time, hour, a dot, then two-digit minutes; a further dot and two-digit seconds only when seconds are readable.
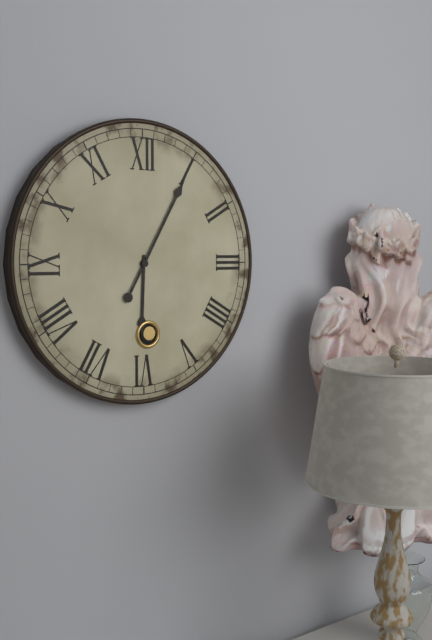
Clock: 6.05
